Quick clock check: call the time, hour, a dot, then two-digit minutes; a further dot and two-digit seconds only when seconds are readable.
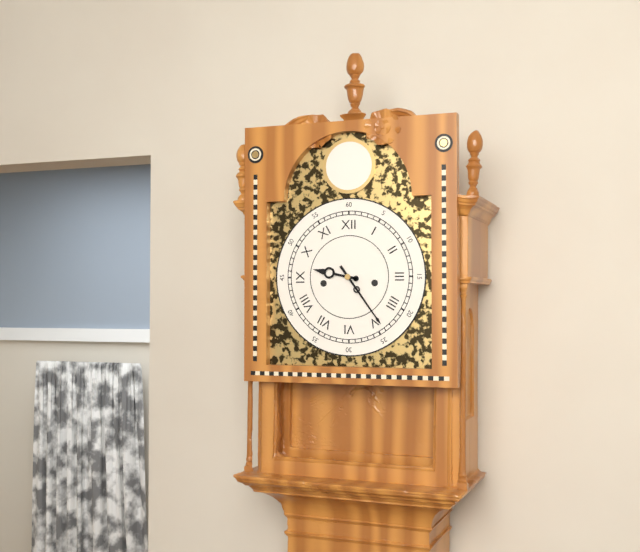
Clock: 9.24
